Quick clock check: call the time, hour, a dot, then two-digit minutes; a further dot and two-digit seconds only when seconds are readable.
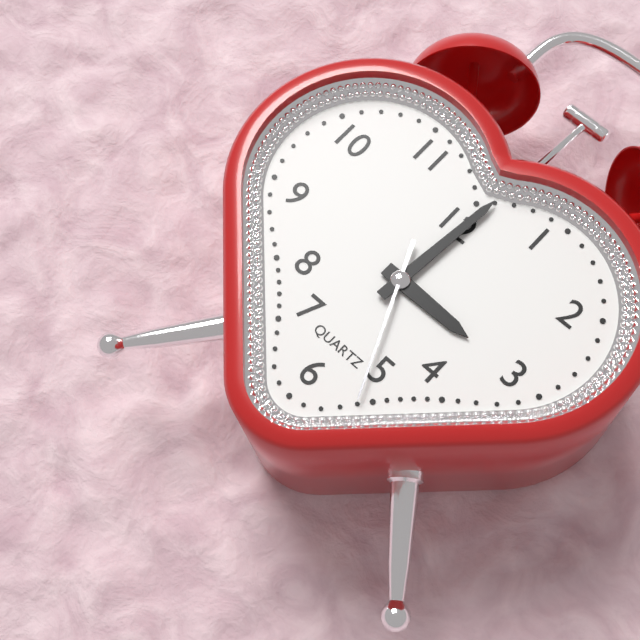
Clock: 3.01.26
